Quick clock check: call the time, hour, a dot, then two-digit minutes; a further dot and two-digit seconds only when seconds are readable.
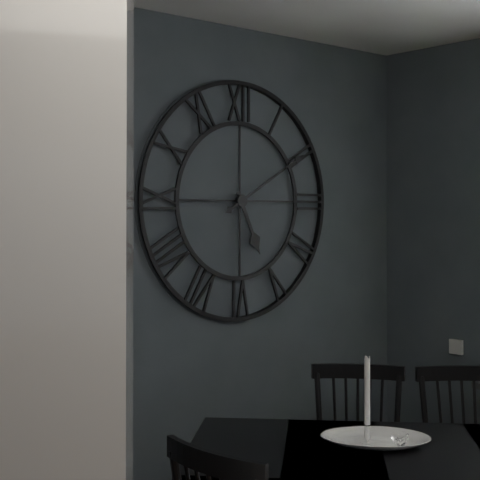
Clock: 5.10
